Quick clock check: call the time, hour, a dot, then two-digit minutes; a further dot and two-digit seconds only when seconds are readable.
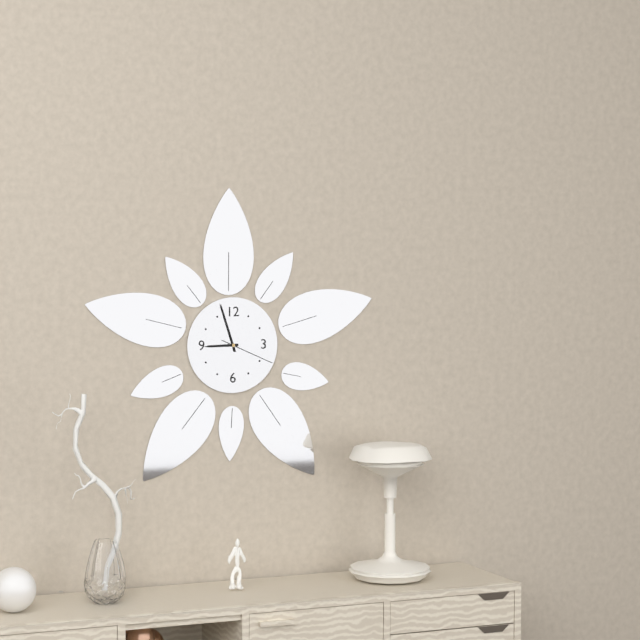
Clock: 8.57.19
